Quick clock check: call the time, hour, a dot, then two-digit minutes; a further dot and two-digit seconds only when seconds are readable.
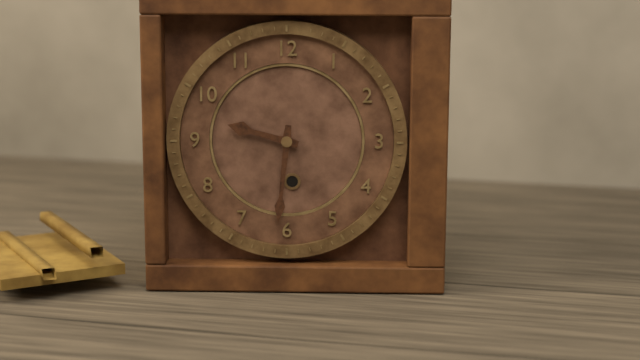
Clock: 9.31
